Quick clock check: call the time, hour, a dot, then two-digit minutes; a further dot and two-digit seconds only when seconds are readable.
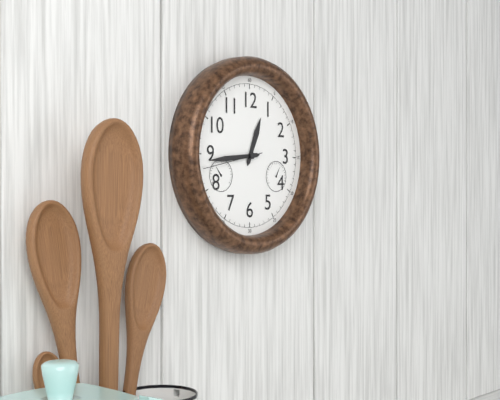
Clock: 12.44
